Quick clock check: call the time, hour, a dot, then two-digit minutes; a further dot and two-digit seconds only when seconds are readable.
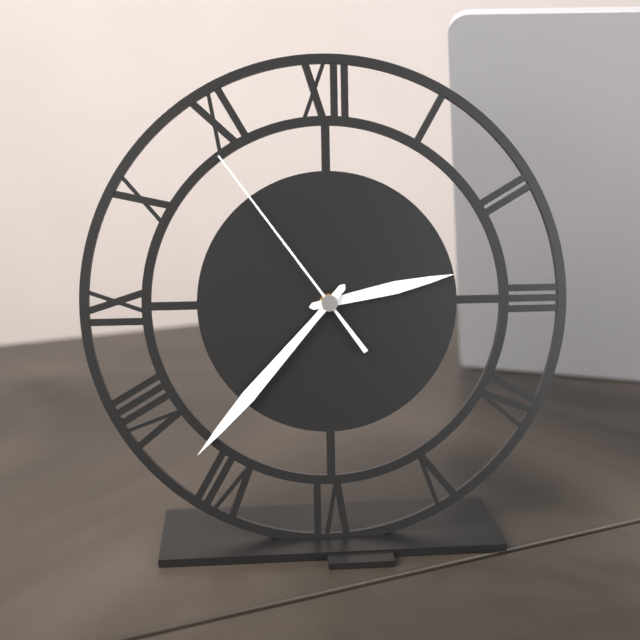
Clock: 2.37.54
